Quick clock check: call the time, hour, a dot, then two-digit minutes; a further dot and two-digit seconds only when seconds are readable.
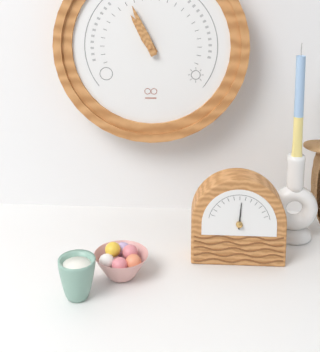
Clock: 10.56
